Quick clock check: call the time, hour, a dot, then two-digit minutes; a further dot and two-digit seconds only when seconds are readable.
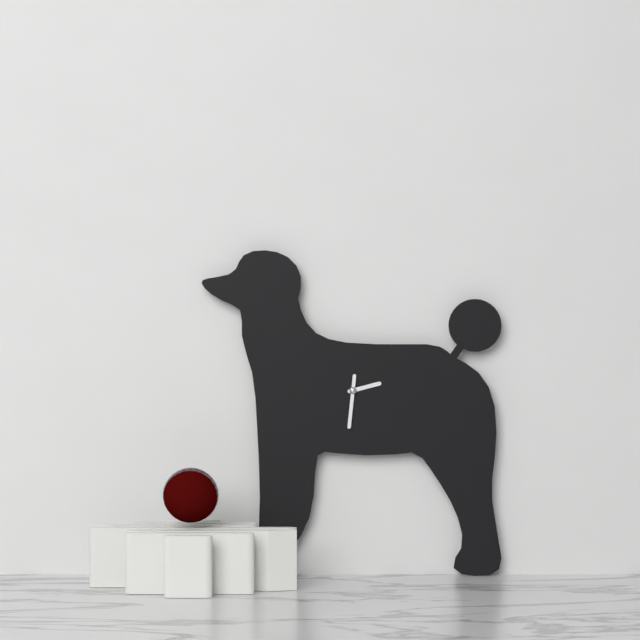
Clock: 2.31
